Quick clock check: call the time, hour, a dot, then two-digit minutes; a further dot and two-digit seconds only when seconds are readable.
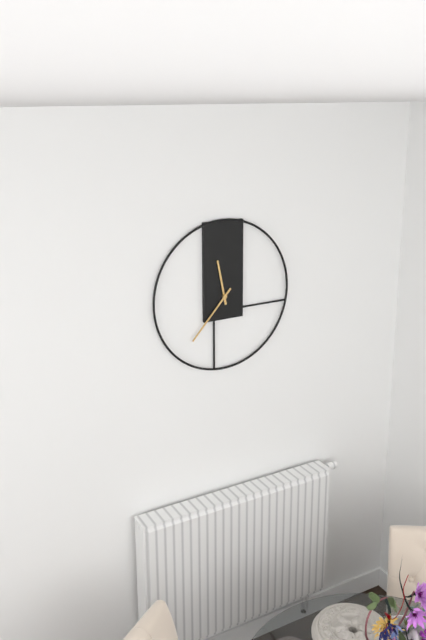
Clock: 11.37
